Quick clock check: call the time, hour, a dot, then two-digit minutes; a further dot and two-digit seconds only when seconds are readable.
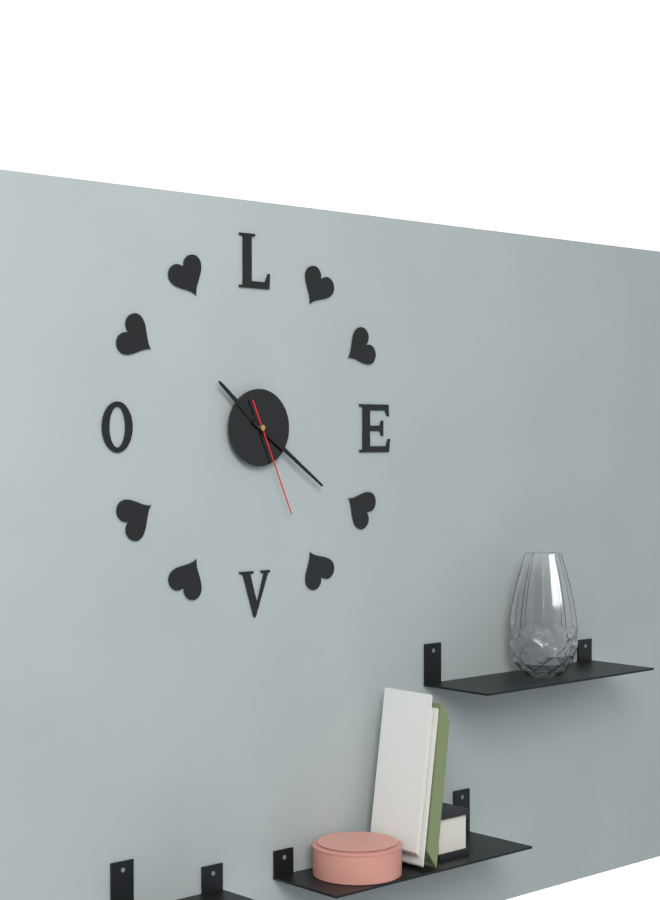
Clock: 10.21.26
